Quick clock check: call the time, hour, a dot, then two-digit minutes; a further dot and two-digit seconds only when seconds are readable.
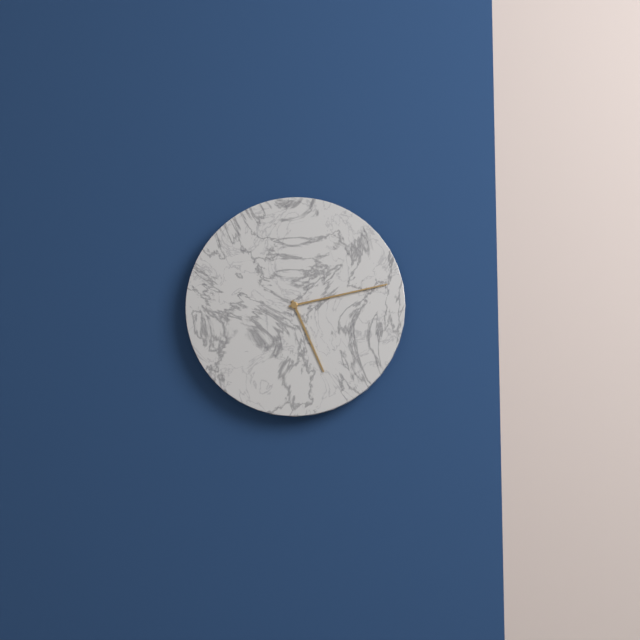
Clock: 5.13
